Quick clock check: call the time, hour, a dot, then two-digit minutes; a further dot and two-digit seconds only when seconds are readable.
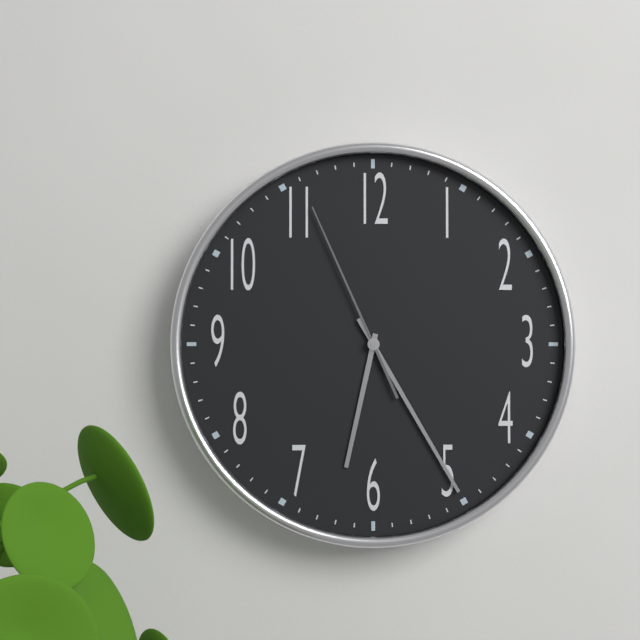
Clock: 6.25.56
